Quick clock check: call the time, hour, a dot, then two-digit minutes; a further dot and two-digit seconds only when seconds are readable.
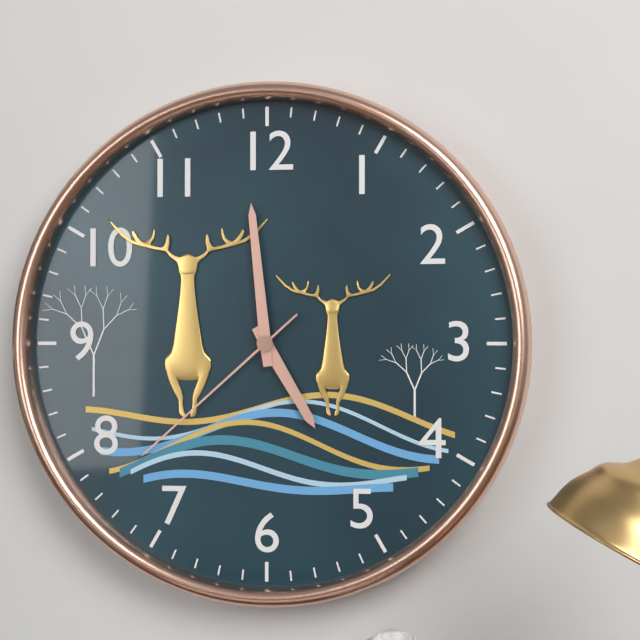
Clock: 4.59.38
